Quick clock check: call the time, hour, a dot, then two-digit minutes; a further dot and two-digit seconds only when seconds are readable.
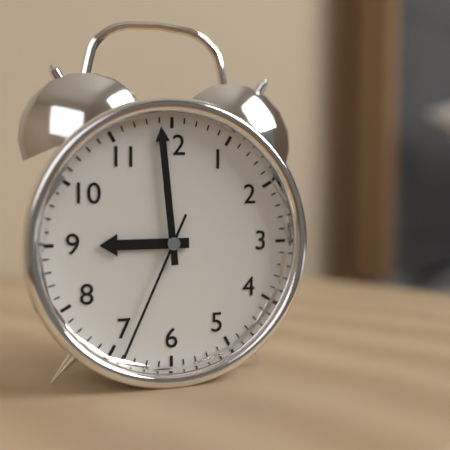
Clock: 8.59.34
